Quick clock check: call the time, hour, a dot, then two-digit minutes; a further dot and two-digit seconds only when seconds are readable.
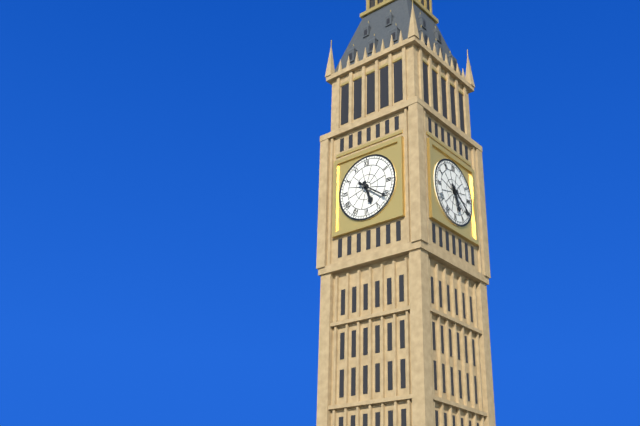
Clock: 5.21
